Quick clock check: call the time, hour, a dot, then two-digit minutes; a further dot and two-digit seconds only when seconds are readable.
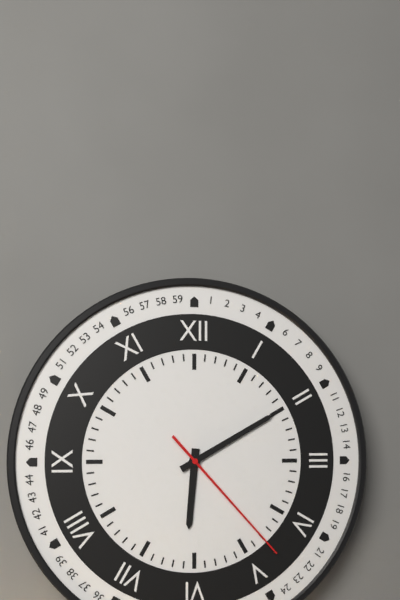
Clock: 6.10.23
